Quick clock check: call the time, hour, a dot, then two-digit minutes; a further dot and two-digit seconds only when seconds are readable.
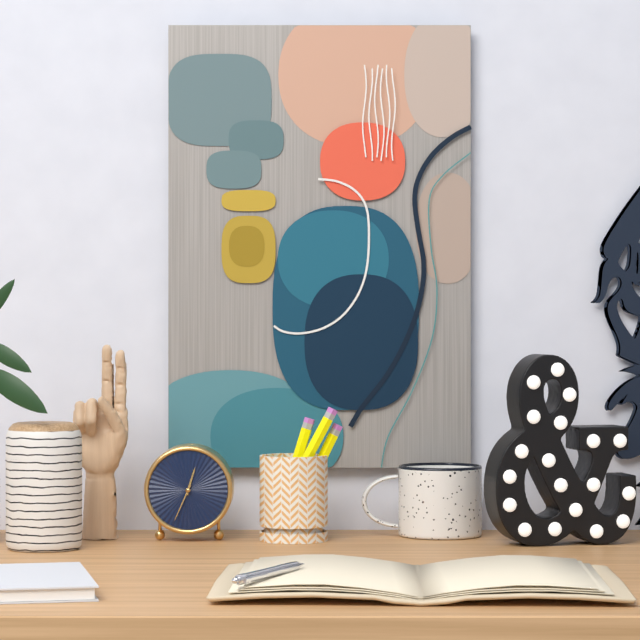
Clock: 12.34
